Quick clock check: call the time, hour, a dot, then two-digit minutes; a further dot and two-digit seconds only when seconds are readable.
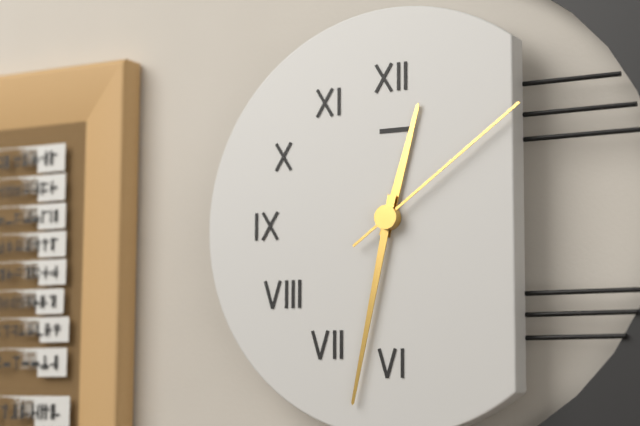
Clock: 12.32.09
